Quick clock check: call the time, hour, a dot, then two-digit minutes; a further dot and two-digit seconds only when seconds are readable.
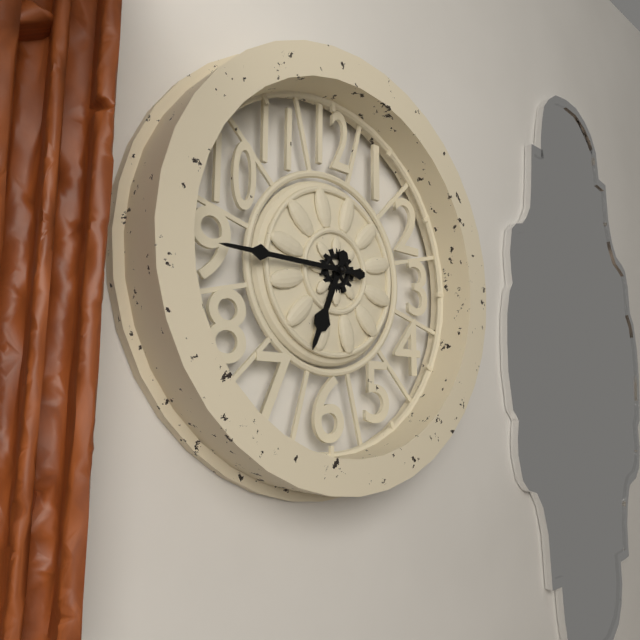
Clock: 6.45
